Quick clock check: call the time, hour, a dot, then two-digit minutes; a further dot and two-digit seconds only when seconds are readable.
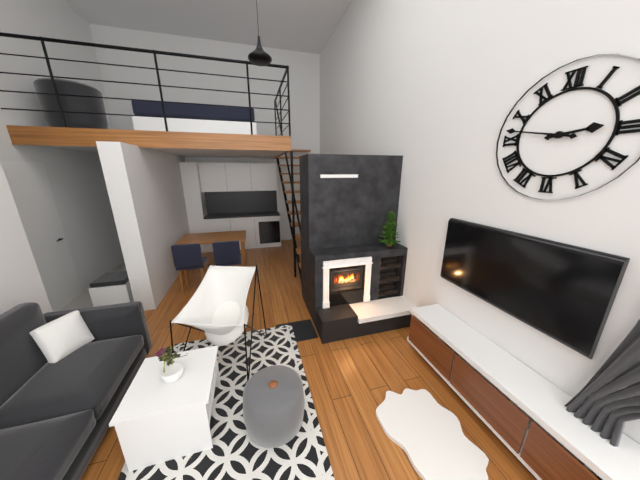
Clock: 2.47
